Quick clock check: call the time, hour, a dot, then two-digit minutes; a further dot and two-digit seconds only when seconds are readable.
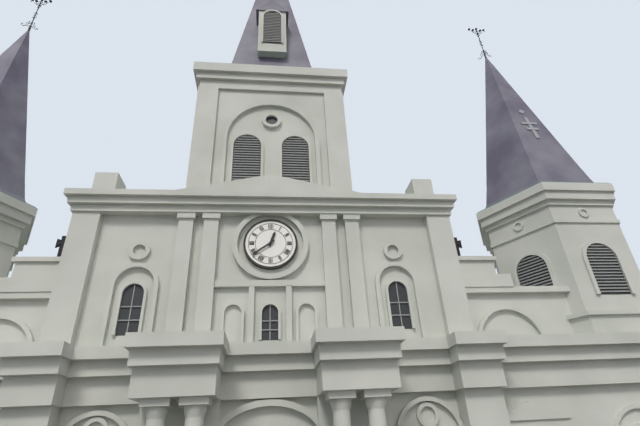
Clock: 12.39
